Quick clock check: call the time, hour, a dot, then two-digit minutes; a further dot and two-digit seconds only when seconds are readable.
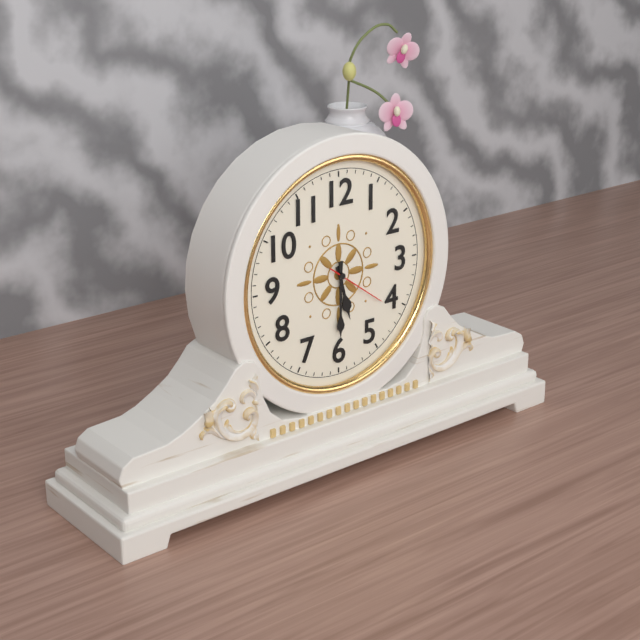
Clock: 5.30.21
